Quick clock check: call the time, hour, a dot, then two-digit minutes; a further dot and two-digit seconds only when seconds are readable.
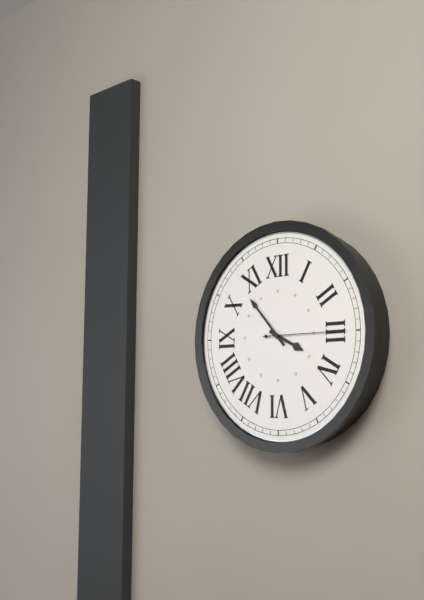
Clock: 3.53.15
